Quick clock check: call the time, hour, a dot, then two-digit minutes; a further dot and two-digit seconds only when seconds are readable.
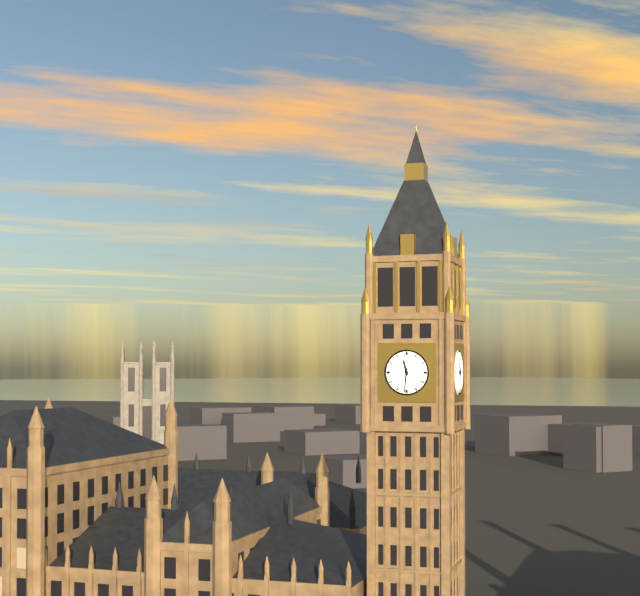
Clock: 11.31
